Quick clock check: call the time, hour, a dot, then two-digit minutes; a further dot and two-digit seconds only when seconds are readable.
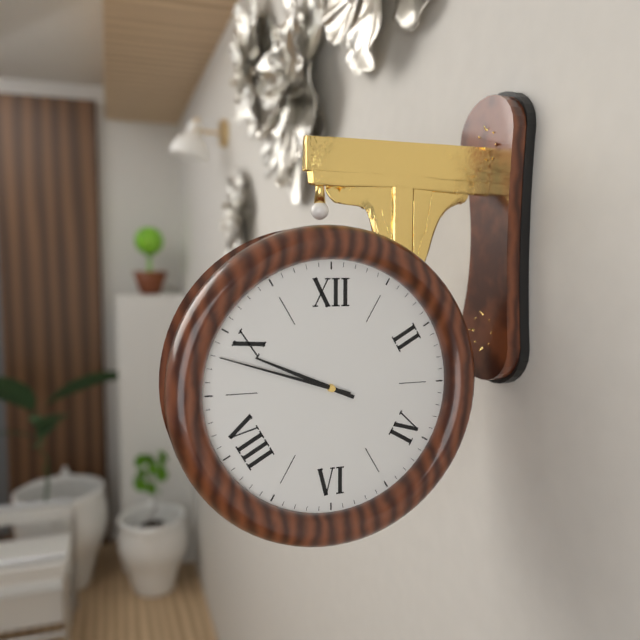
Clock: 9.48
